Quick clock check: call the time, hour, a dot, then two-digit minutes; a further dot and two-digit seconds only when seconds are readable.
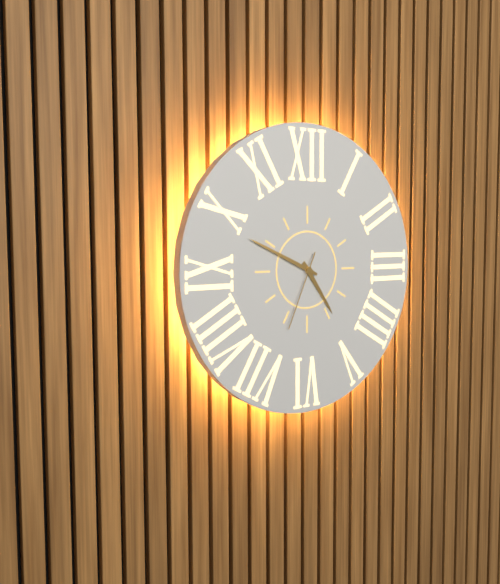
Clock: 4.49.34
